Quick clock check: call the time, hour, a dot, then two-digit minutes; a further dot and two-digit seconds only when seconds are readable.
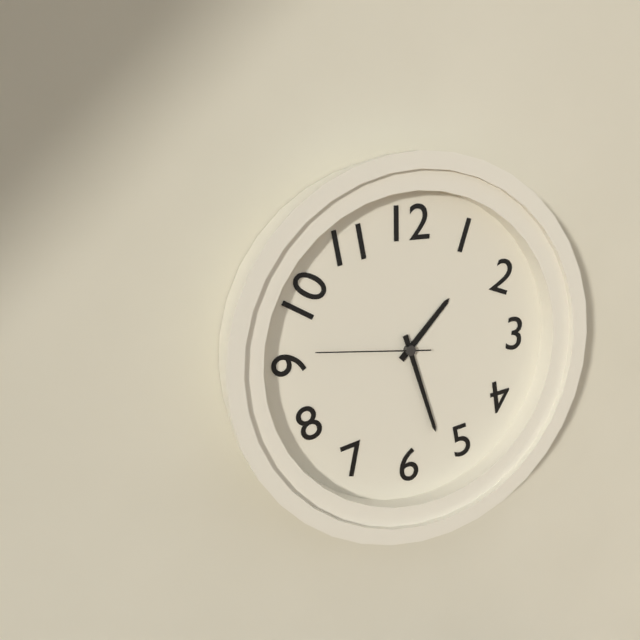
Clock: 1.27.46
